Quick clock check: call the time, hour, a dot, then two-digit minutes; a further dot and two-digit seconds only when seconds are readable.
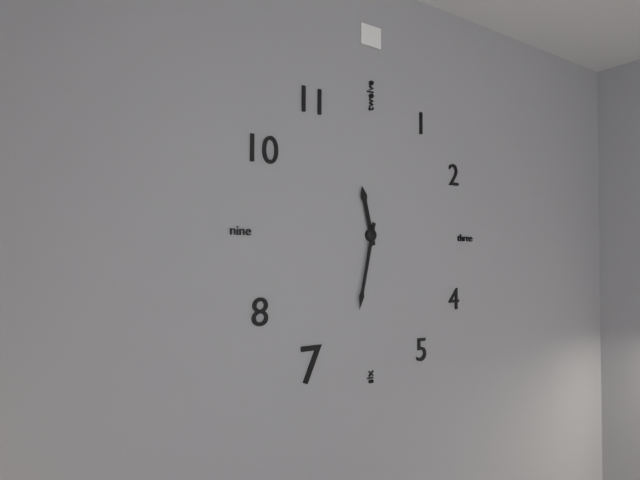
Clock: 11.32
